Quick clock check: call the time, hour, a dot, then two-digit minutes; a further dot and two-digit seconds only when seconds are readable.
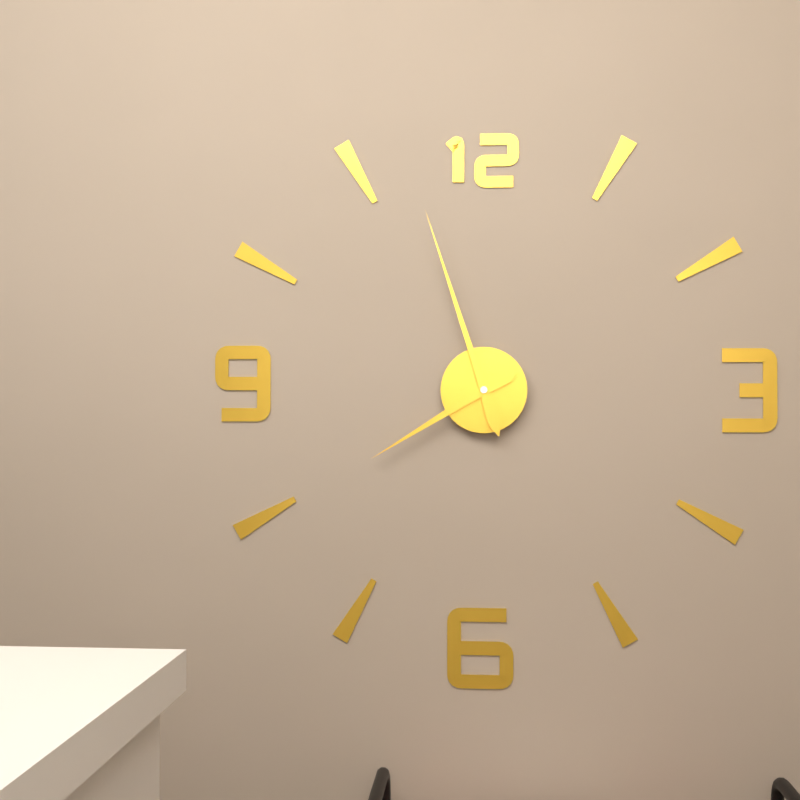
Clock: 7.57
